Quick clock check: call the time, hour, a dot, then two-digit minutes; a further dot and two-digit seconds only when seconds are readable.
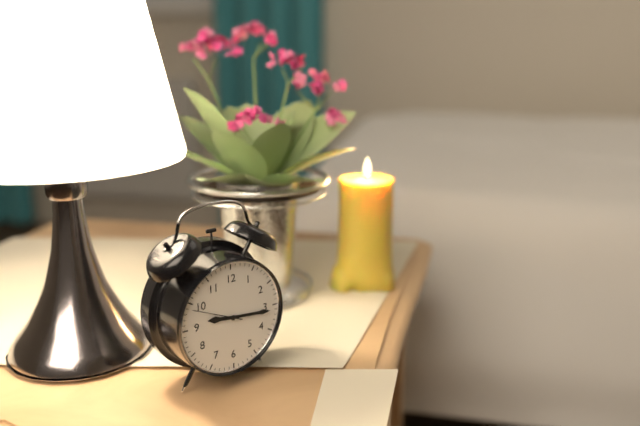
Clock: 9.16.49
